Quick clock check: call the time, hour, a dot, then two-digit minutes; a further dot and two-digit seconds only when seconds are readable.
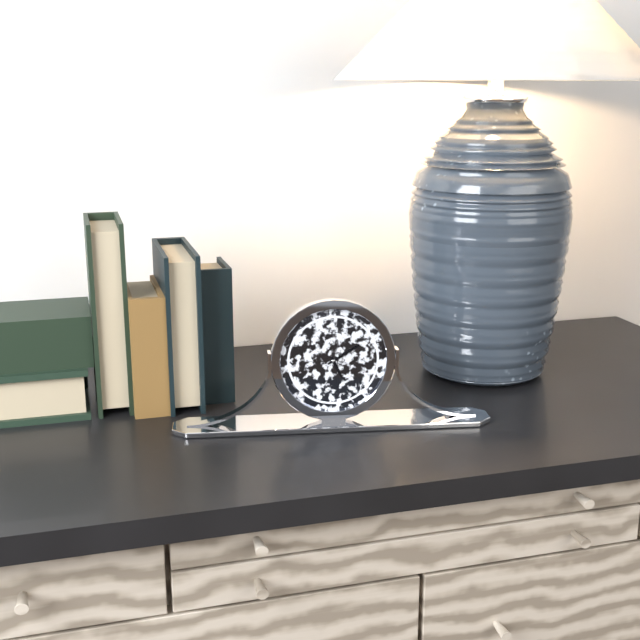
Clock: 5.10
